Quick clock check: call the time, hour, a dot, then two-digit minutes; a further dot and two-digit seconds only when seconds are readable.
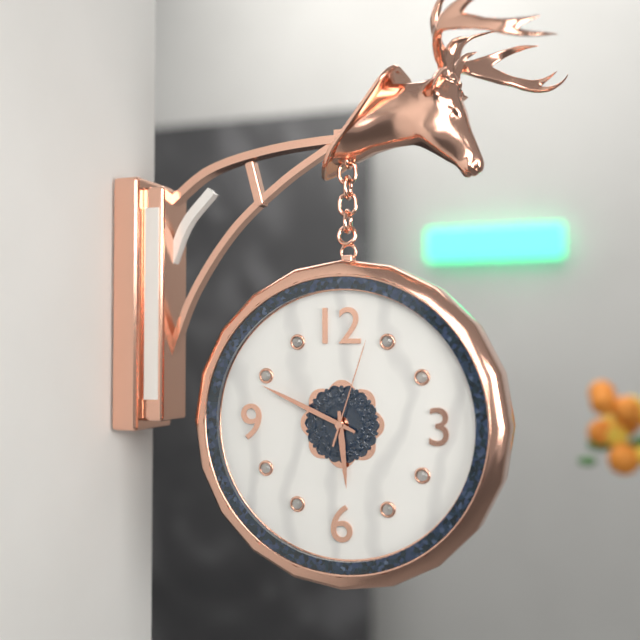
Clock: 5.49.03
